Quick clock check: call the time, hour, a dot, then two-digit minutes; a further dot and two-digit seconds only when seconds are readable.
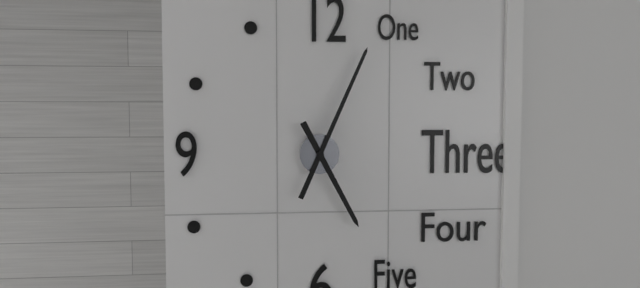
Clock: 5.04
